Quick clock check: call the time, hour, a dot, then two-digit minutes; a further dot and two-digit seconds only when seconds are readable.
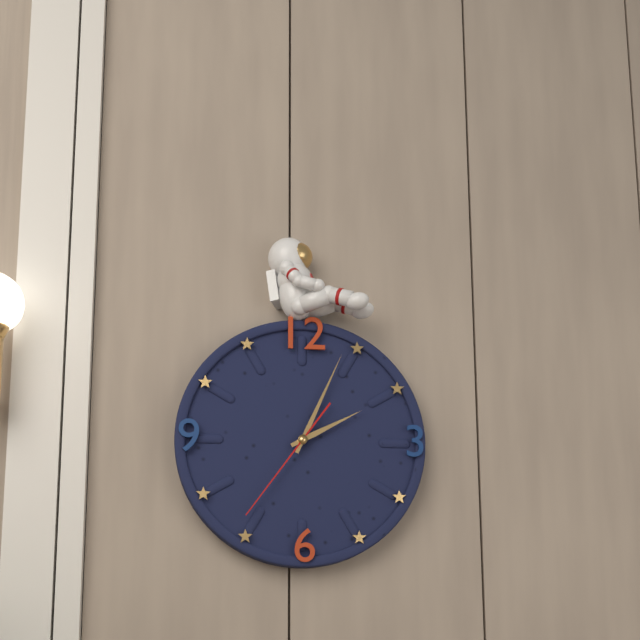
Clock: 2.04.36
